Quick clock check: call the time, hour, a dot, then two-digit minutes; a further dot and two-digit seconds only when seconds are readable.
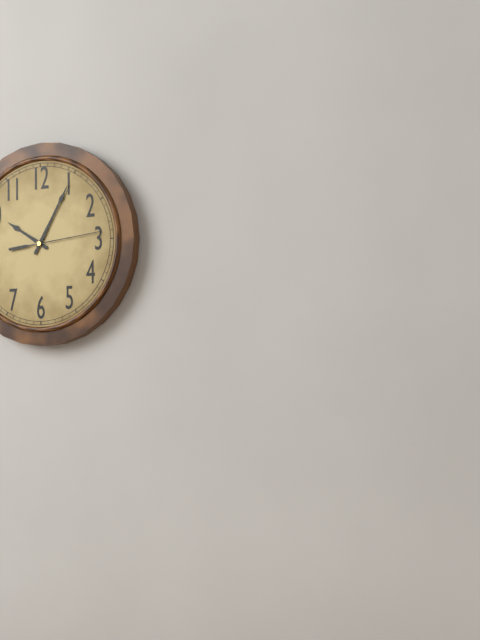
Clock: 10.05.14
